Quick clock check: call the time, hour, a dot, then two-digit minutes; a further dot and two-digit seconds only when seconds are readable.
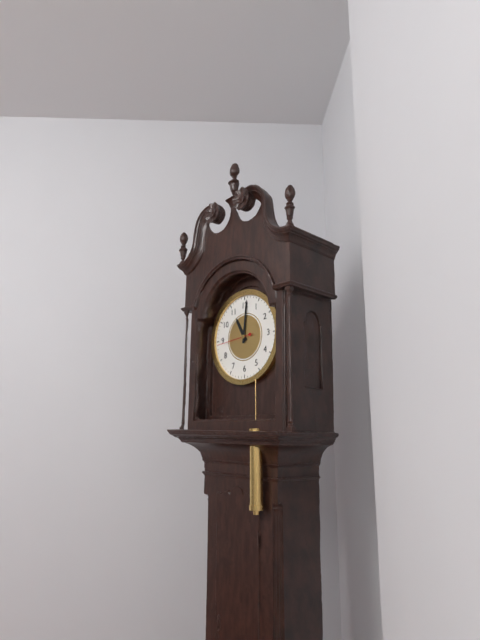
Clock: 11.01
